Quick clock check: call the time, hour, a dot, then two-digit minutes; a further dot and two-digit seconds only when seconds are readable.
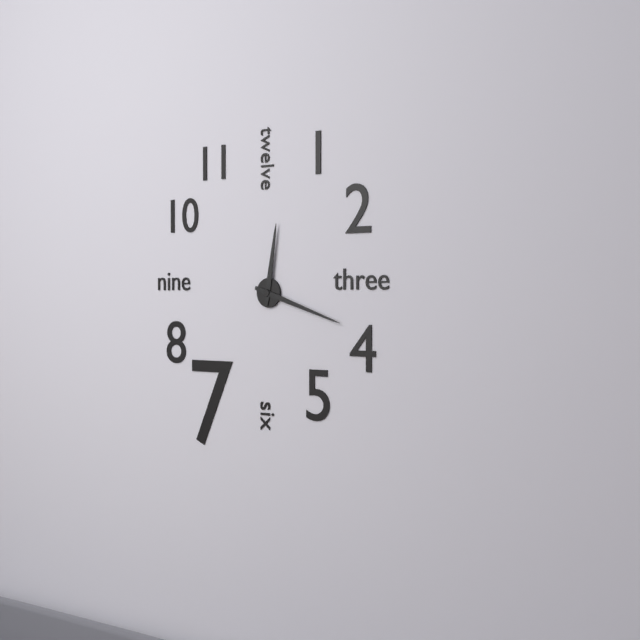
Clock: 12.18
